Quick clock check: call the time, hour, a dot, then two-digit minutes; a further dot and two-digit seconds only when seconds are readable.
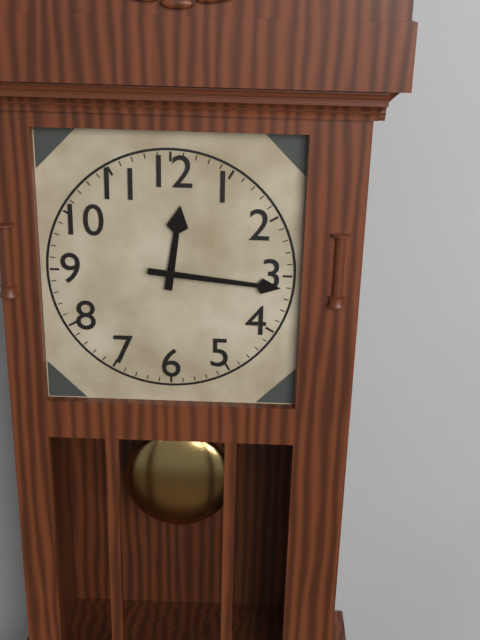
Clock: 12.16
